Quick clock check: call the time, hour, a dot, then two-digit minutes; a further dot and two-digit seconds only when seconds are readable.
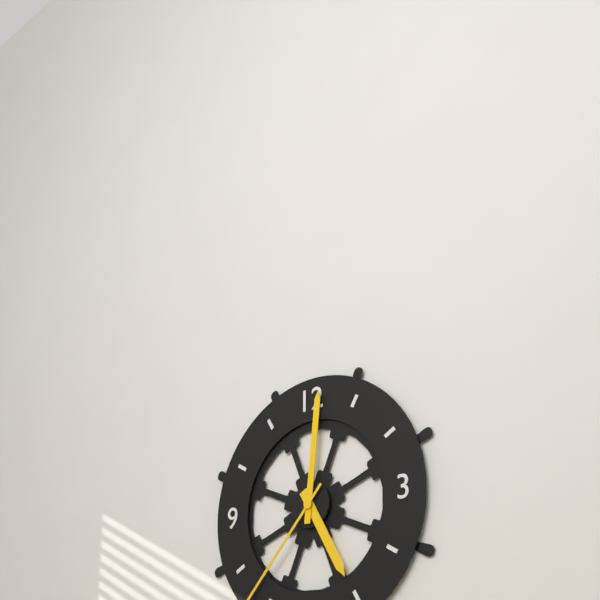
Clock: 5.01
